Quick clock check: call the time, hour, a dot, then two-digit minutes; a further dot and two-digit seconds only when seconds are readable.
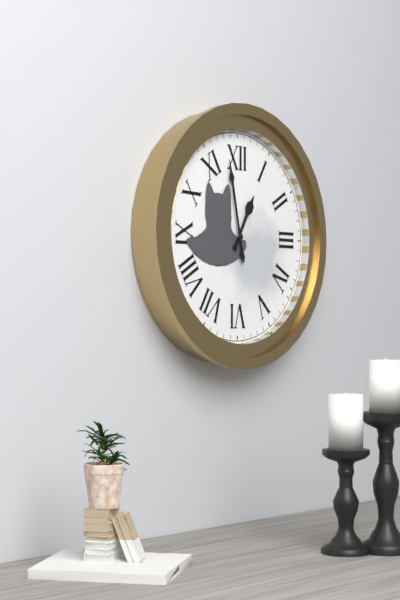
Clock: 12.58
